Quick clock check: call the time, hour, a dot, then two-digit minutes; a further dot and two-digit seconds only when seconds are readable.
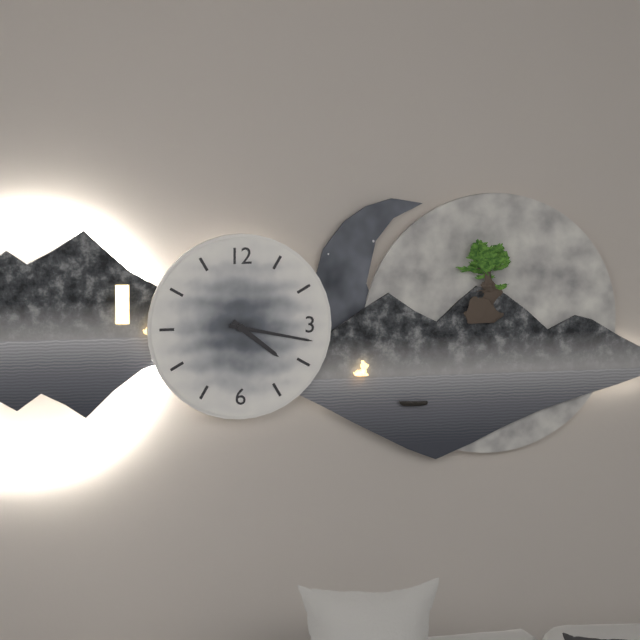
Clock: 4.17
